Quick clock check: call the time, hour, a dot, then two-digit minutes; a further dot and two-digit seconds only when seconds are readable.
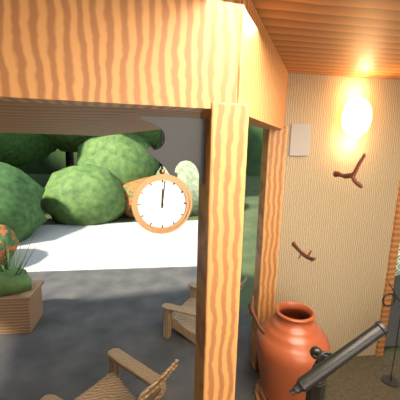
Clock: 12.01
